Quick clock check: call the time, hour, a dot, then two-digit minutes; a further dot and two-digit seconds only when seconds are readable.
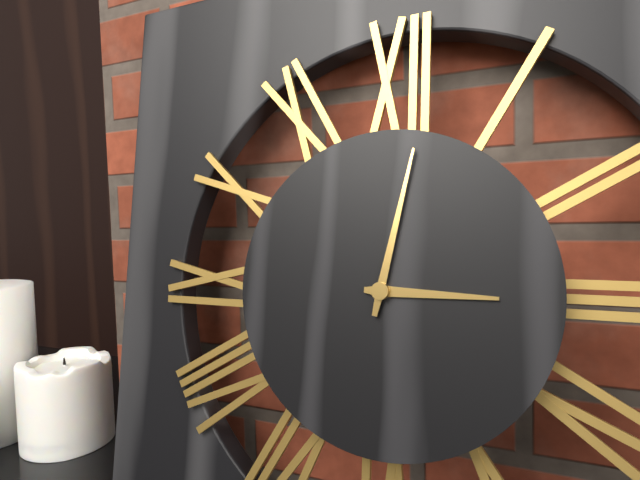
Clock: 3.02
